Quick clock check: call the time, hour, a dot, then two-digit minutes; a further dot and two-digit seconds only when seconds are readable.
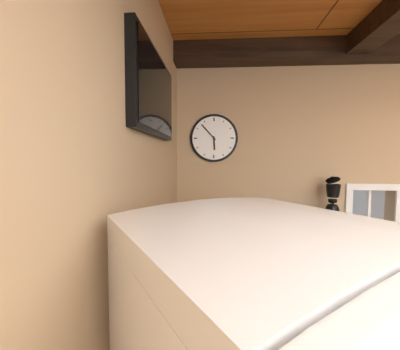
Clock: 5.53
